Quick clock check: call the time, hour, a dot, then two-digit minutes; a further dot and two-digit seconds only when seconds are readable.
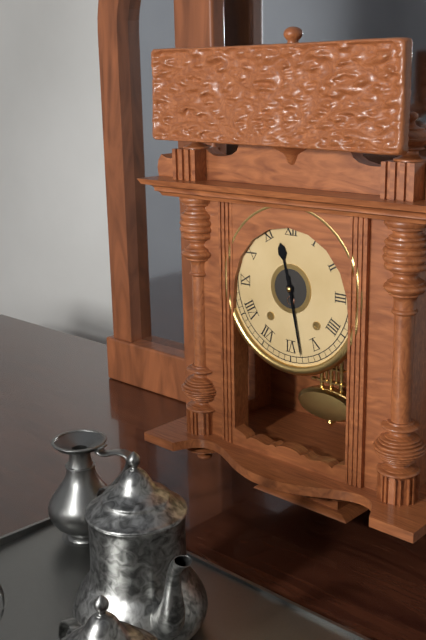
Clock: 11.28
